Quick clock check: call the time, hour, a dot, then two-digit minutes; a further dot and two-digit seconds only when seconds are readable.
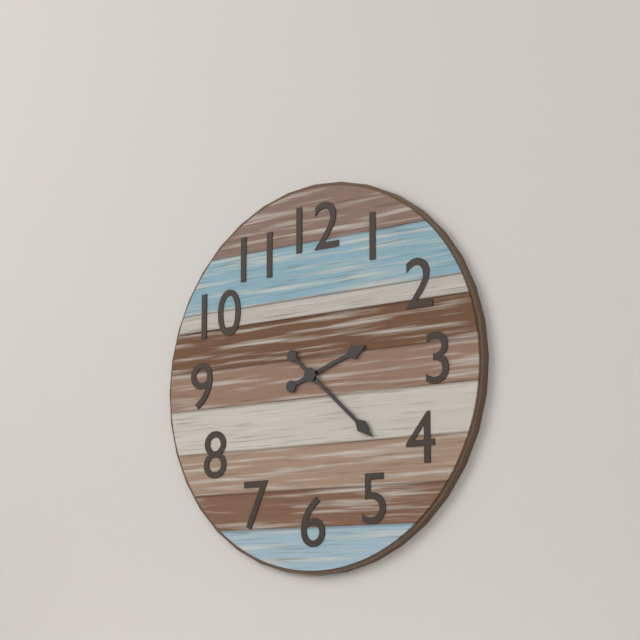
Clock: 2.22
